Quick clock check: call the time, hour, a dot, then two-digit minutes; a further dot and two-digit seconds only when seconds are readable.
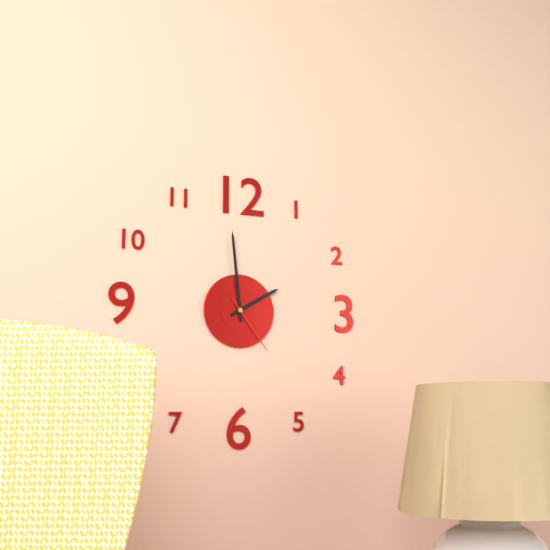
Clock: 1.59.24
